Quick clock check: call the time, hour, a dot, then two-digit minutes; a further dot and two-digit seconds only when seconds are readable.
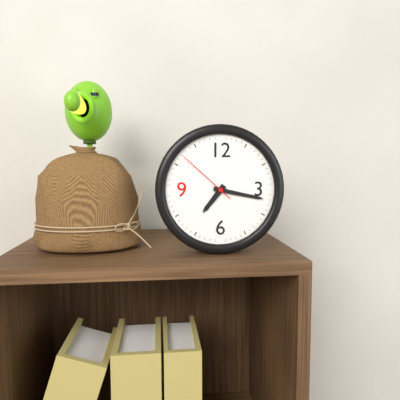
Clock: 7.17.52
